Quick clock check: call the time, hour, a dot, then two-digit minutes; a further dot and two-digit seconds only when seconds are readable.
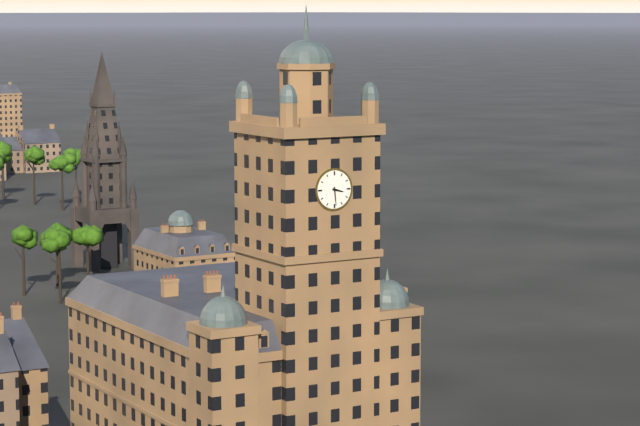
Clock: 3.29
